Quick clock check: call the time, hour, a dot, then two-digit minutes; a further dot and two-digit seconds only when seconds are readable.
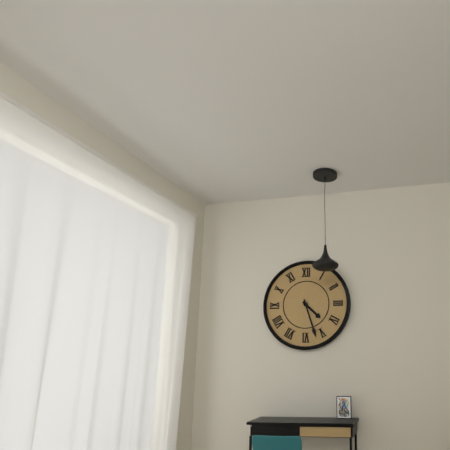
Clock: 4.27
